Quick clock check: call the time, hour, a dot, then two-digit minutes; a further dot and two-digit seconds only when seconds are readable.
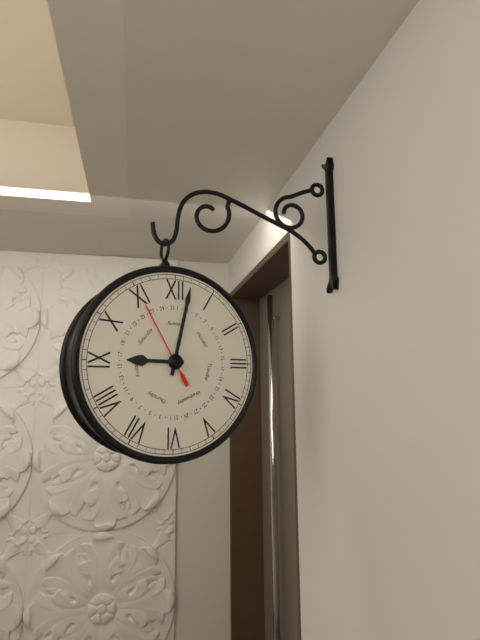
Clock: 9.02.55
